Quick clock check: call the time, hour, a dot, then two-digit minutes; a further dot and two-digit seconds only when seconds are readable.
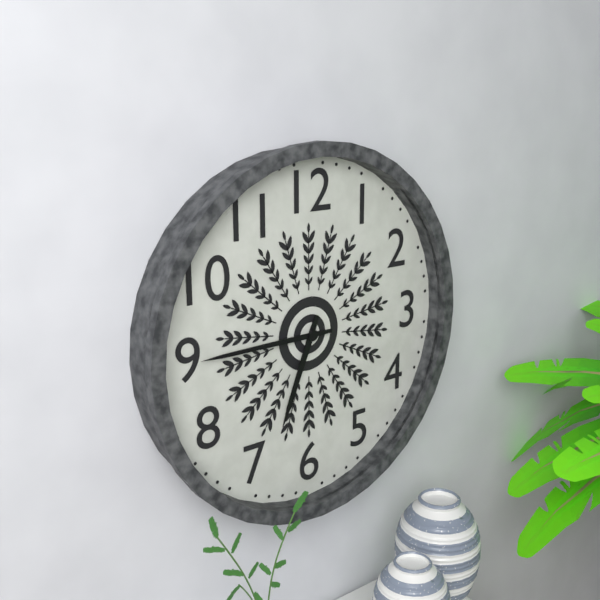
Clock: 6.45
